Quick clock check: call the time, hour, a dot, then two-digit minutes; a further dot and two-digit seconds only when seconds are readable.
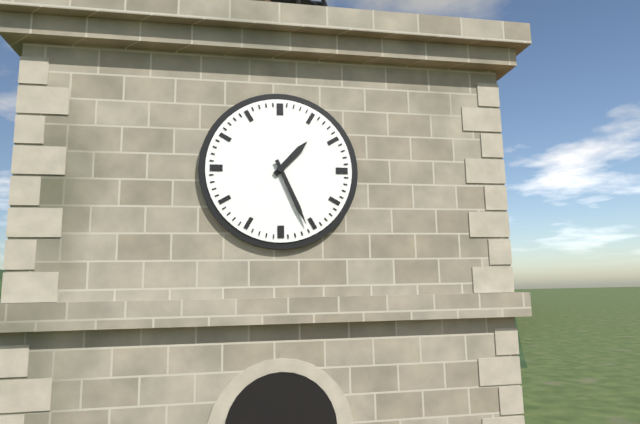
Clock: 1.26
